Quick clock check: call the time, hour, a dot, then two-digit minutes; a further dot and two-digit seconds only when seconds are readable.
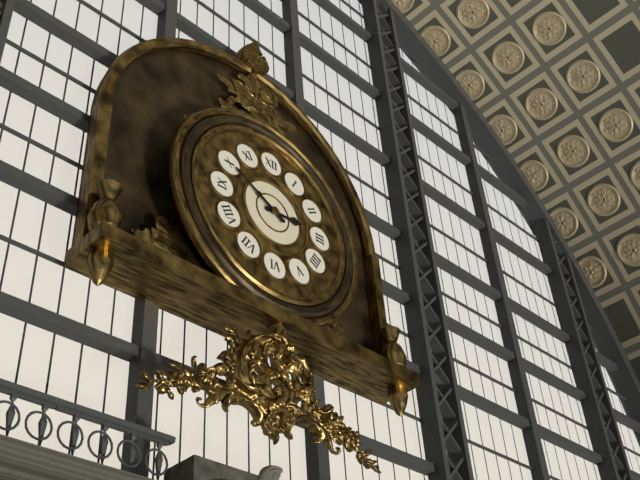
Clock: 2.50
